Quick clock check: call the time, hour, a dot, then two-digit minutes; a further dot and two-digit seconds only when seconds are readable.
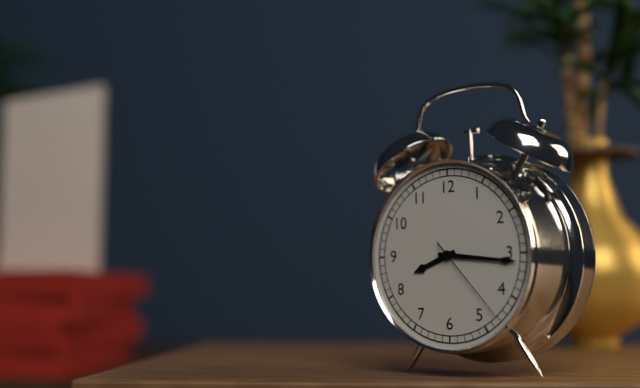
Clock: 8.16.23
